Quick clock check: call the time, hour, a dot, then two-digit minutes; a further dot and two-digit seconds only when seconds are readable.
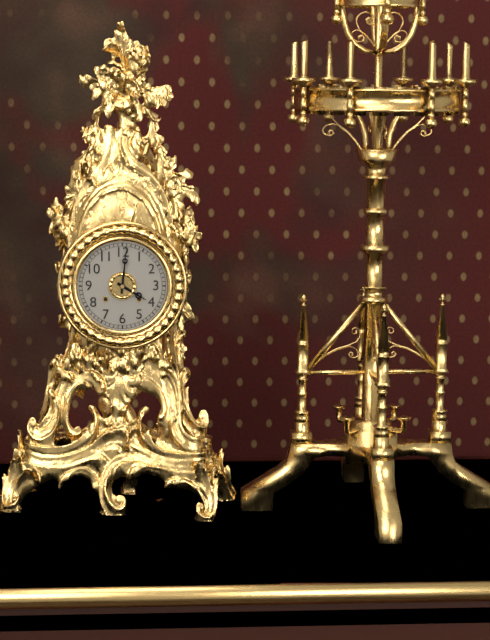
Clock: 4.01
